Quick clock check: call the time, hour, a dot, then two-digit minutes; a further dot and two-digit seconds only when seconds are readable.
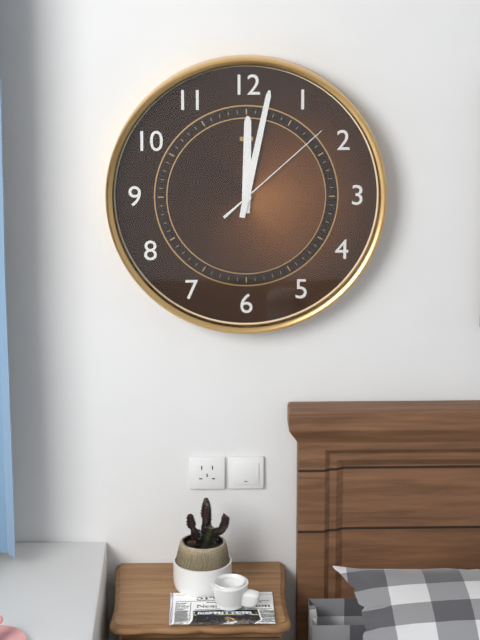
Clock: 12.02.08
